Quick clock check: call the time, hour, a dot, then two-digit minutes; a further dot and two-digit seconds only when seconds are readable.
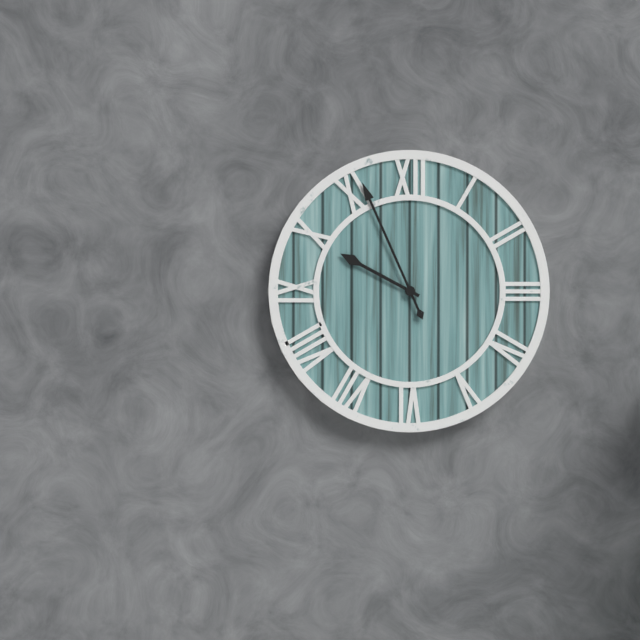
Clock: 9.56
